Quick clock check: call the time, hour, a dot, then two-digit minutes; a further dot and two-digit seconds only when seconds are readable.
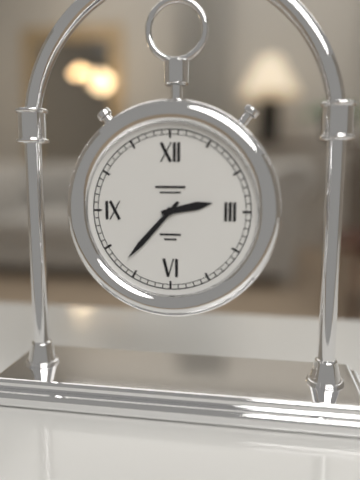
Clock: 2.37
